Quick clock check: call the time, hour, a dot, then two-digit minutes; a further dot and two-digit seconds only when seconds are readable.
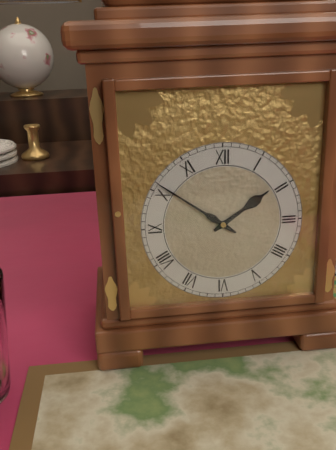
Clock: 1.51
